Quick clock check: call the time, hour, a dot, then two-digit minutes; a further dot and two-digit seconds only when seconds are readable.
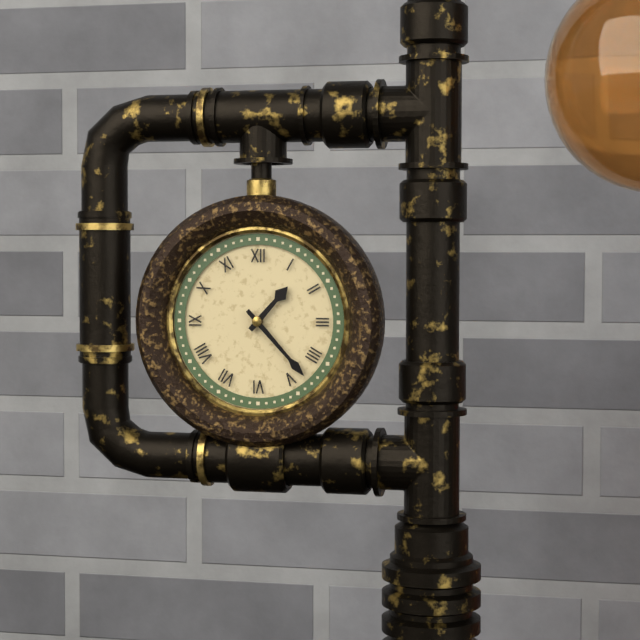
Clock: 1.23
